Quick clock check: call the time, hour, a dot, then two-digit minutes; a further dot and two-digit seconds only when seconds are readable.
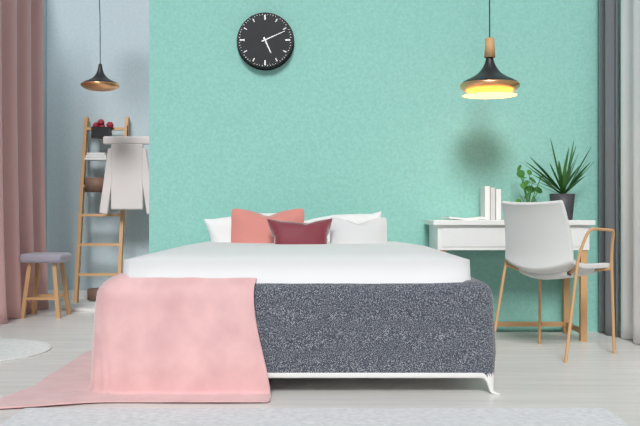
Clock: 5.11
